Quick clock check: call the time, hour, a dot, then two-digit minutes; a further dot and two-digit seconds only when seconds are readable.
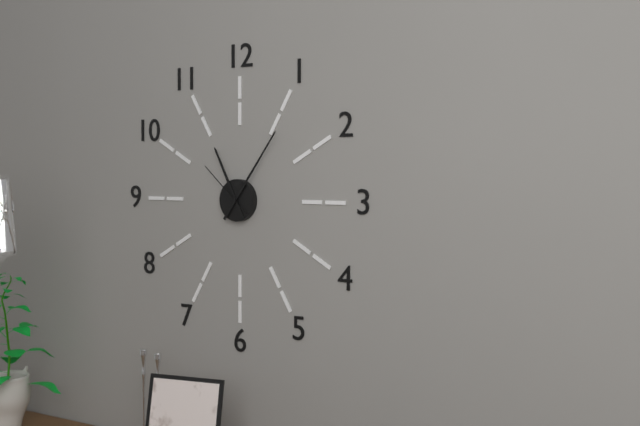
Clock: 11.06.52
